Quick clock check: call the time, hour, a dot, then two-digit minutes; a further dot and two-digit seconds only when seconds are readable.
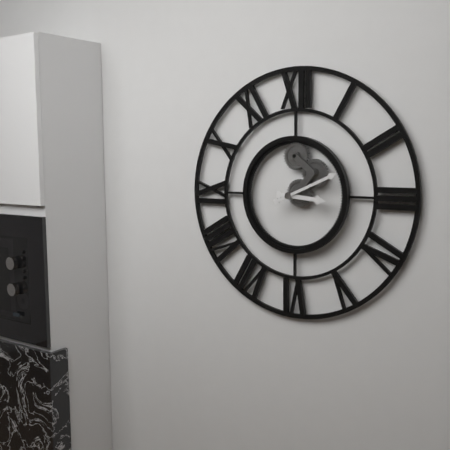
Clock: 3.11
